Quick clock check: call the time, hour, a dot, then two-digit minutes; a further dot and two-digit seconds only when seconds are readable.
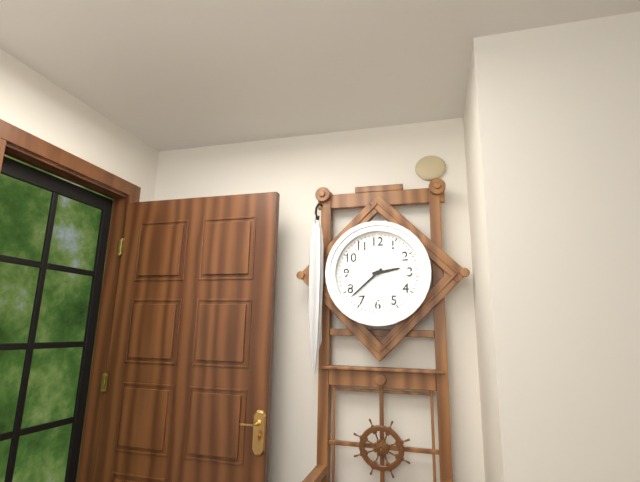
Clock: 2.38
